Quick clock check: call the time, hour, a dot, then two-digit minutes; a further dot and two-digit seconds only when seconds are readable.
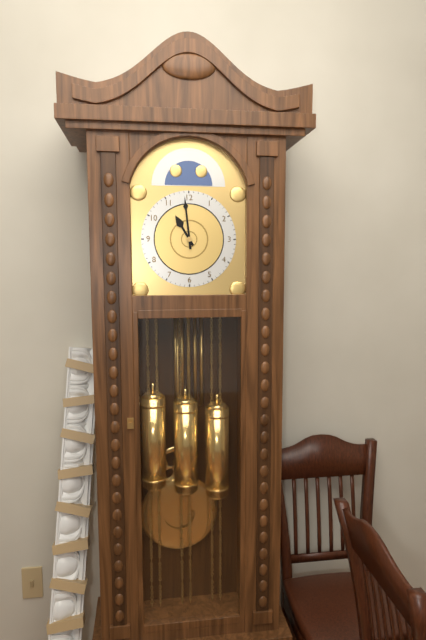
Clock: 10.59
